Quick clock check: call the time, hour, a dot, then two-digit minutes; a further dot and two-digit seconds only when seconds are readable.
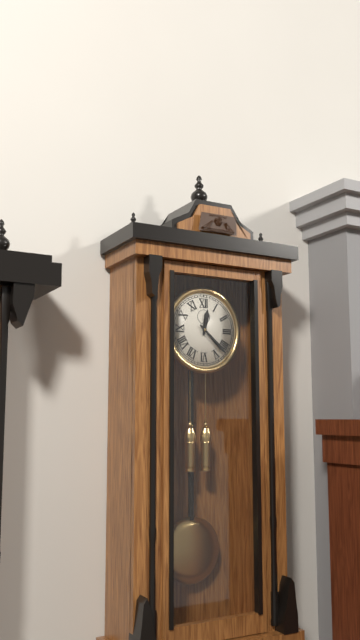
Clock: 12.22
